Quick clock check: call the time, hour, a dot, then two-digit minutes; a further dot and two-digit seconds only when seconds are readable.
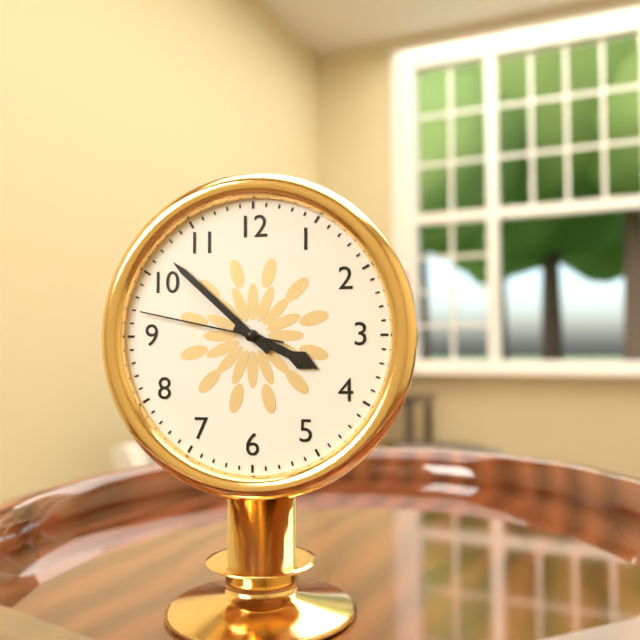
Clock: 3.52.47
